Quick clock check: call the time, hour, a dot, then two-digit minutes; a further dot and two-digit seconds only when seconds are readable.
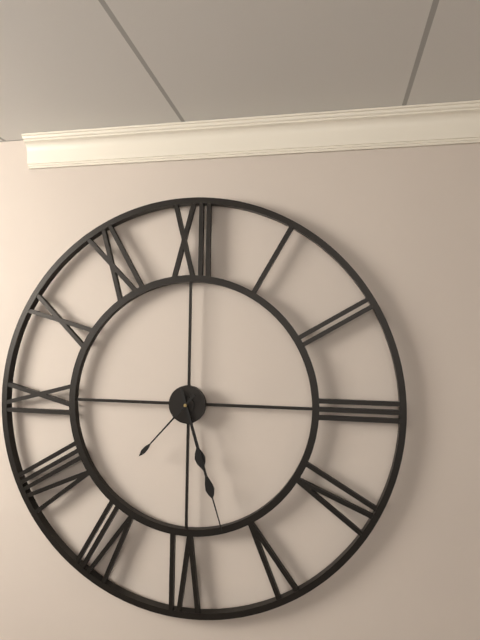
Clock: 5.27.37
